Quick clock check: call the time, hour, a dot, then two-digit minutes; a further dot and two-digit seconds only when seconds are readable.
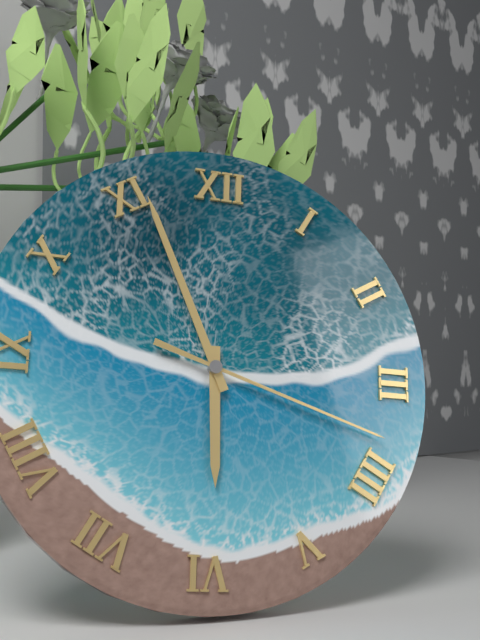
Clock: 5.56.18
